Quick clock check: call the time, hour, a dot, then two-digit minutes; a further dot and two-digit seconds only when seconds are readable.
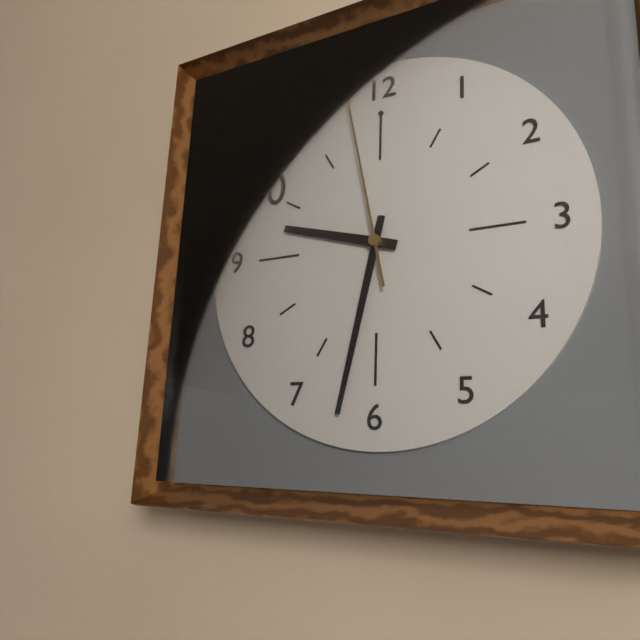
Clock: 9.32.58
